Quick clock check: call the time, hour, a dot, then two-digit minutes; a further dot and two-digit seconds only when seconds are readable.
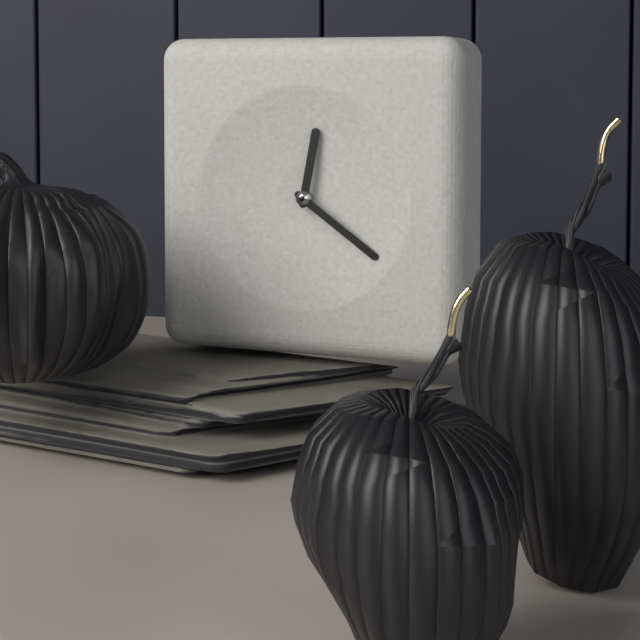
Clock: 12.21
